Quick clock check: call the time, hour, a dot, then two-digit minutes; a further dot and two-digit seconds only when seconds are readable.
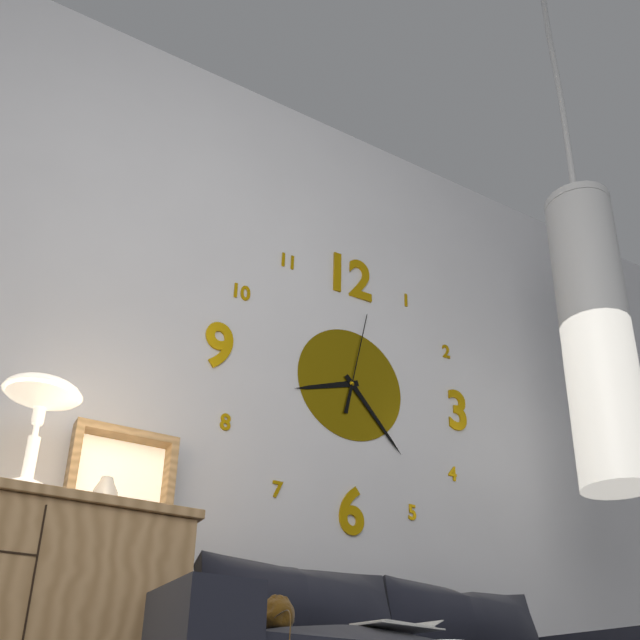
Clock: 8.23.02
